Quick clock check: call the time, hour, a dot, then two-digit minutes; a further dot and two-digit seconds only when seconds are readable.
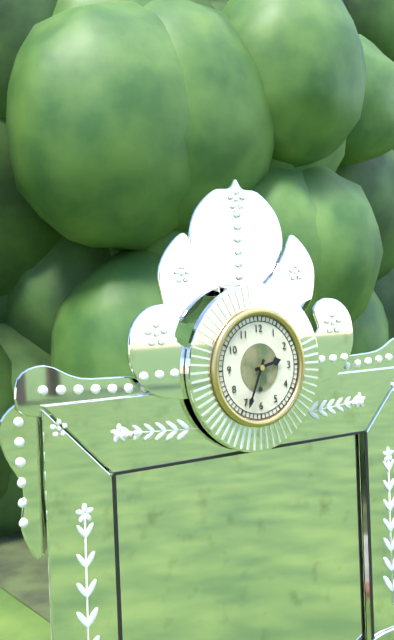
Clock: 2.34
